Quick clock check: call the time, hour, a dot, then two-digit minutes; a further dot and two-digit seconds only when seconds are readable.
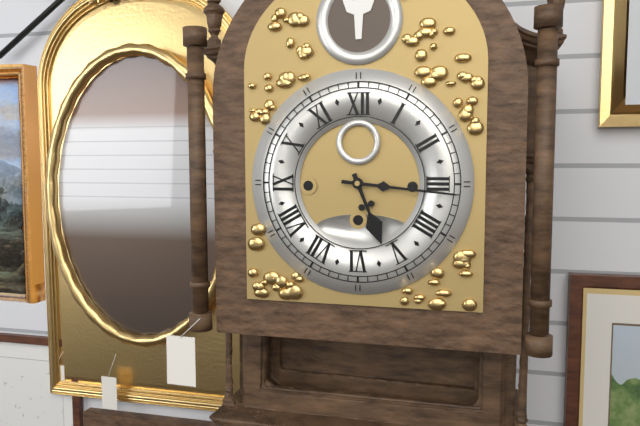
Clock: 5.16
